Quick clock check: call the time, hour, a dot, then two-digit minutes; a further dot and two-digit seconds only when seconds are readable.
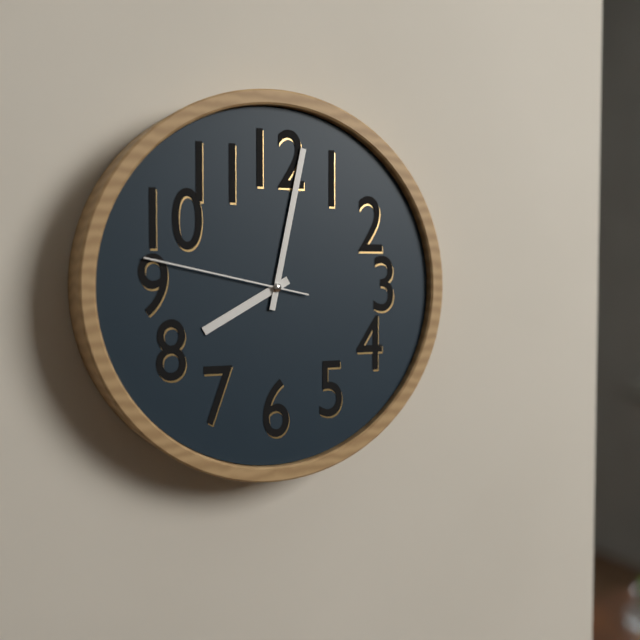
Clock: 8.02.47
